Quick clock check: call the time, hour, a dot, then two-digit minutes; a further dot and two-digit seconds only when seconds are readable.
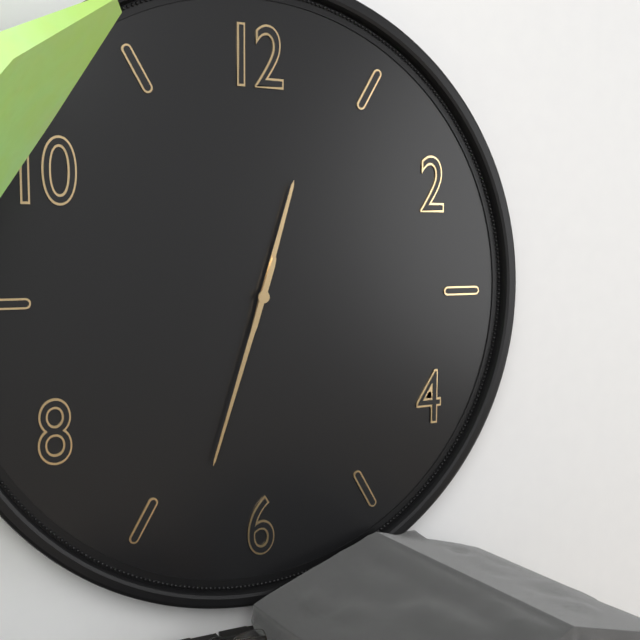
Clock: 12.33
